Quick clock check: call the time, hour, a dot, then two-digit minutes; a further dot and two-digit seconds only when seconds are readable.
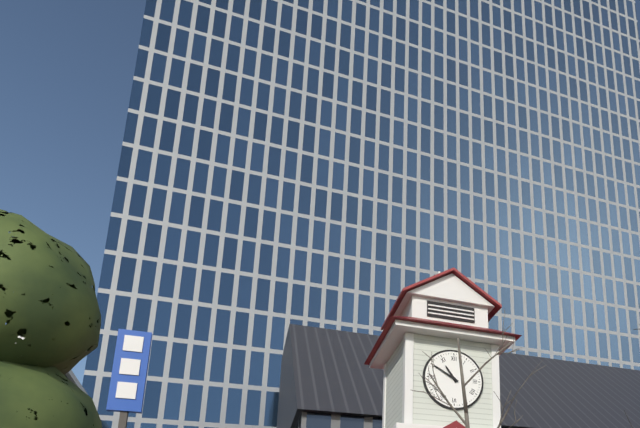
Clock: 10.50
